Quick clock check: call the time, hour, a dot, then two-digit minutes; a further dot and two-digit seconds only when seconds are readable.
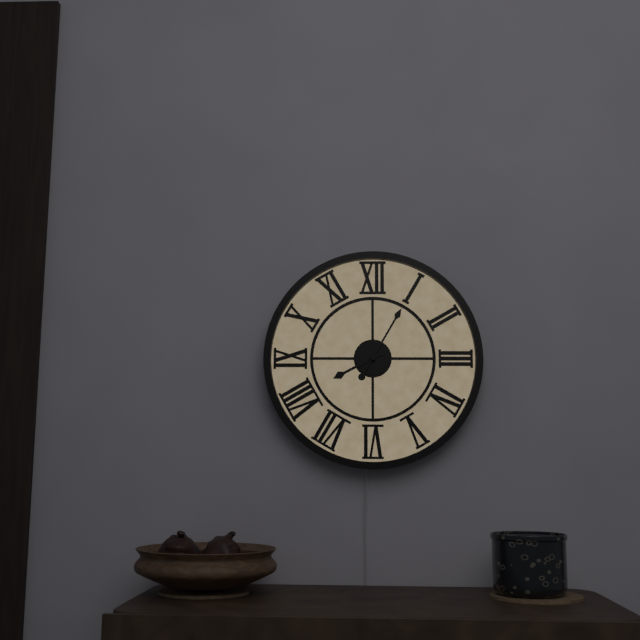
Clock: 8.05
